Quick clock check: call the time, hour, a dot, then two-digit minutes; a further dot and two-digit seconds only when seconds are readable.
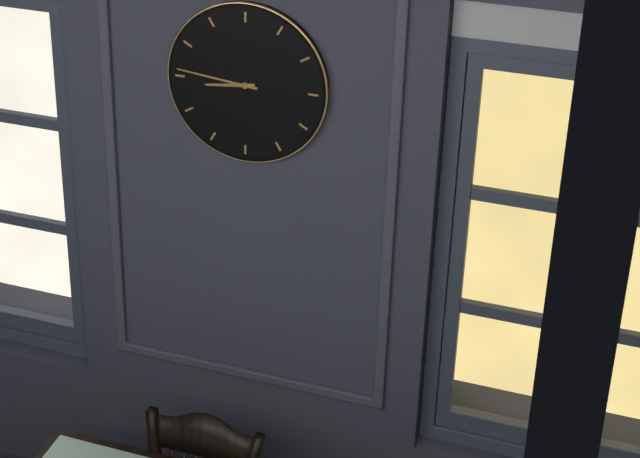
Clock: 8.46
